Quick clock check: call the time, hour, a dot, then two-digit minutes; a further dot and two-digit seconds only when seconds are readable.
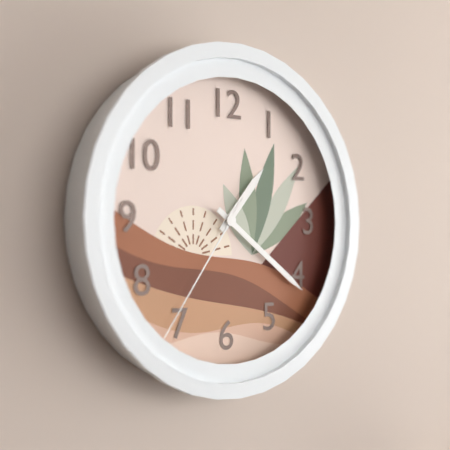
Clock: 1.21.36
